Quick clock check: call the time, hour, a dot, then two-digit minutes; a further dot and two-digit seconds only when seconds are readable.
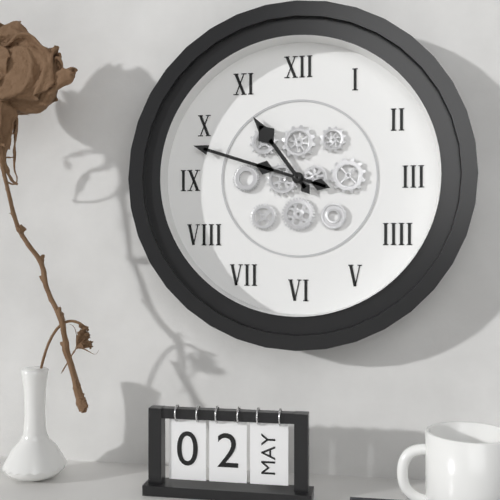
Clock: 10.48
